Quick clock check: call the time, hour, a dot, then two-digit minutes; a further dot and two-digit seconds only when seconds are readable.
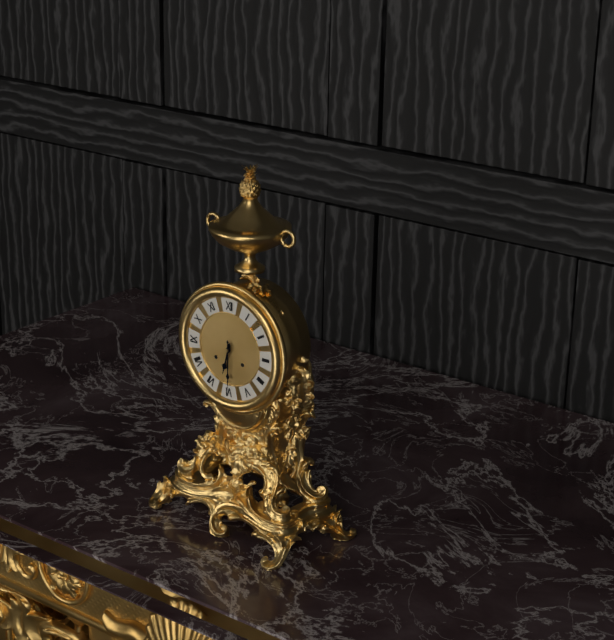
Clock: 6.30
